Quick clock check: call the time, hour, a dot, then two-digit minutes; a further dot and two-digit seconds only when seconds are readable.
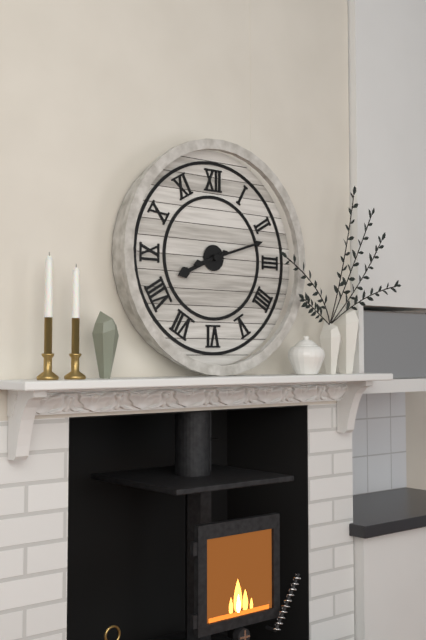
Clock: 8.12
